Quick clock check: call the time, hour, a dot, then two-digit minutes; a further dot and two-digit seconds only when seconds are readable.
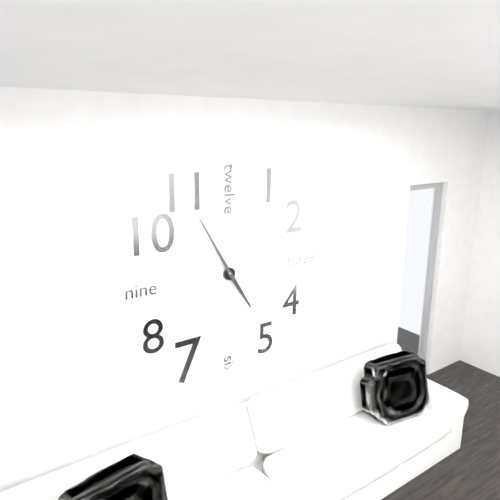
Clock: 4.55
